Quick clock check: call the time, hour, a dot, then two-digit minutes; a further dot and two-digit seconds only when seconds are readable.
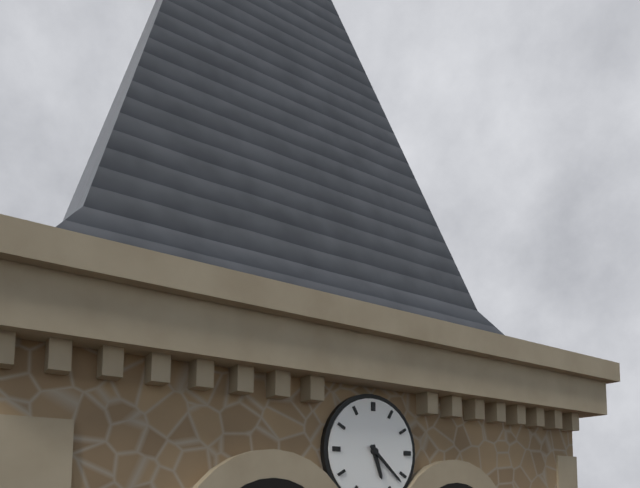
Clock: 5.22
